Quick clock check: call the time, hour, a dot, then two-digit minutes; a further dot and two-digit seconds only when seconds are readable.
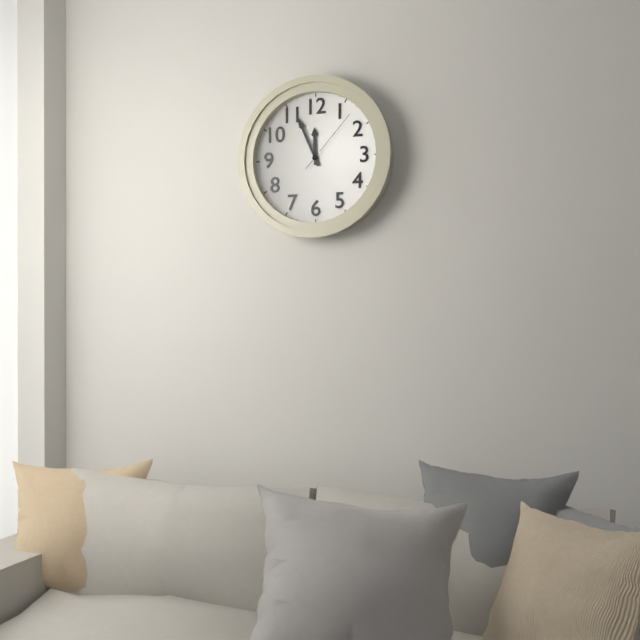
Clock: 11.56.07
